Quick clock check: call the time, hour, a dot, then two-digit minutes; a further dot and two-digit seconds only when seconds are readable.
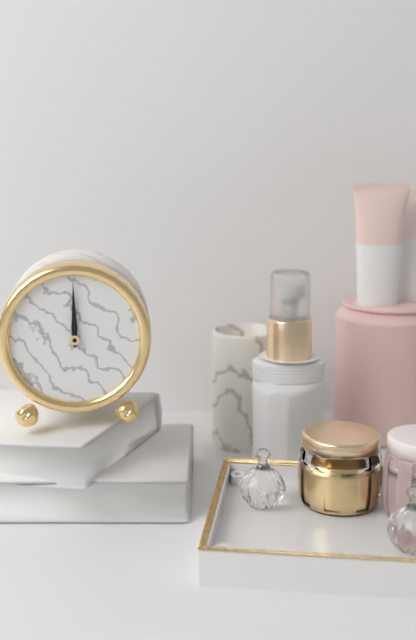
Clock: 12.00
